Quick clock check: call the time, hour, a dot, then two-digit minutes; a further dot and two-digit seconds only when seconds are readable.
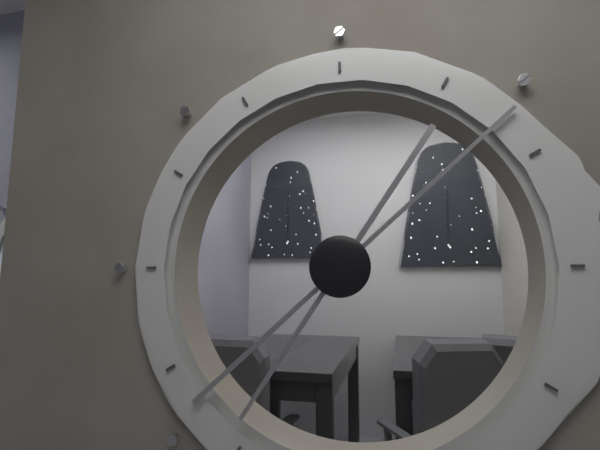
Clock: 7.08
